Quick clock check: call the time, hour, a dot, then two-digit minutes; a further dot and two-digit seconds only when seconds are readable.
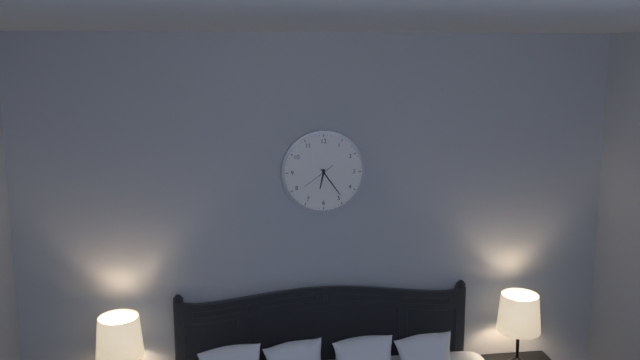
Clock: 6.24
